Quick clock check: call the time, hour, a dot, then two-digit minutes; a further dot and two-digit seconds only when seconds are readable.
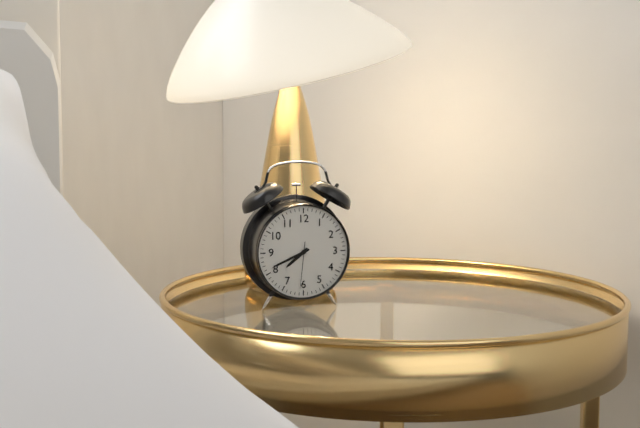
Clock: 7.41.31
